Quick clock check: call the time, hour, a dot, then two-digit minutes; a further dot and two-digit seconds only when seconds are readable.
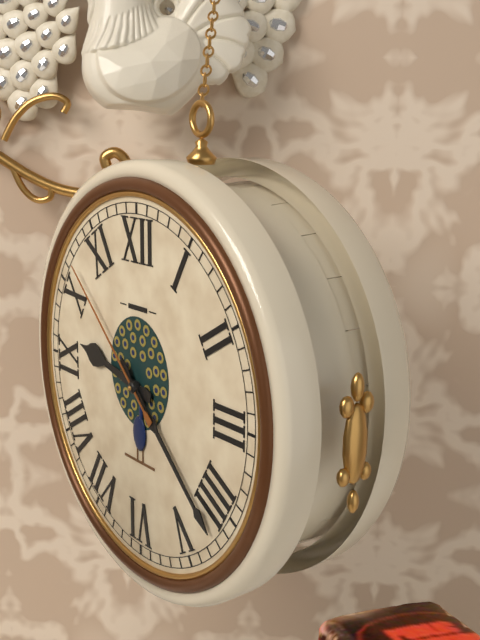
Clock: 9.22.52
